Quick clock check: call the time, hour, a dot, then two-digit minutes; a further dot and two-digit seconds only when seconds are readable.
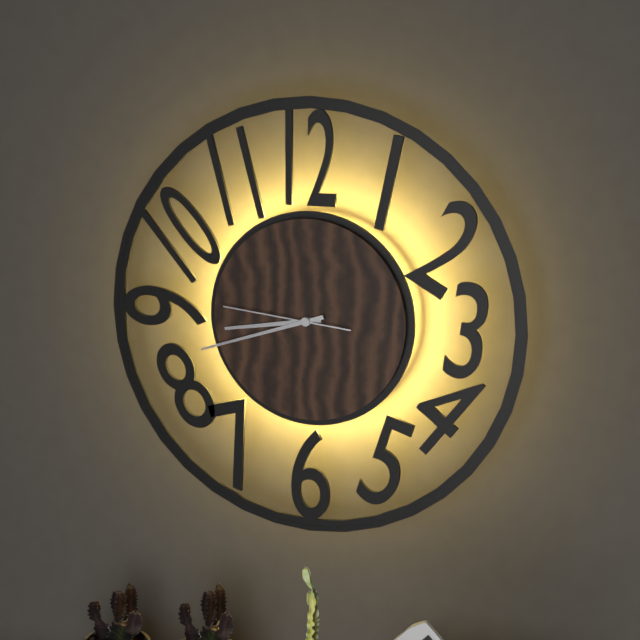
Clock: 8.42.46
